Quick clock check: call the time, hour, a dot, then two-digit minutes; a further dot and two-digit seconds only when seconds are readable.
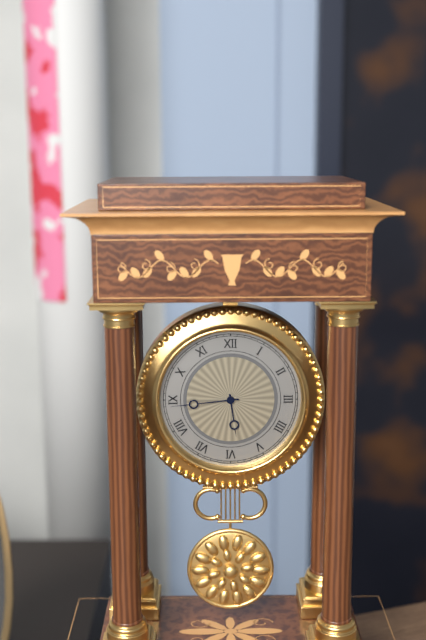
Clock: 5.44
